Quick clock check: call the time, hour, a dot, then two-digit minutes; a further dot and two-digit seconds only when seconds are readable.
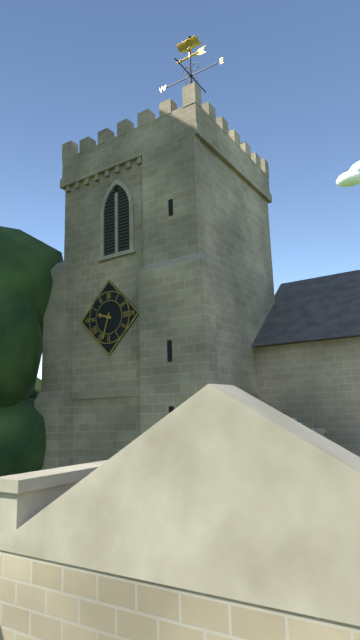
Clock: 9.33
